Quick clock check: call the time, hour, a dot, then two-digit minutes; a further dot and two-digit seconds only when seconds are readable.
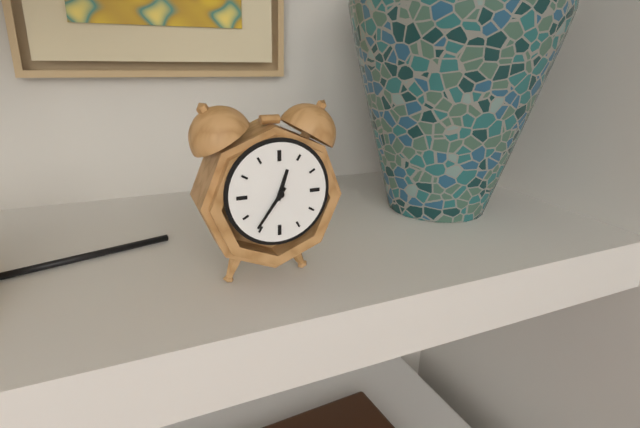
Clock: 12.36
